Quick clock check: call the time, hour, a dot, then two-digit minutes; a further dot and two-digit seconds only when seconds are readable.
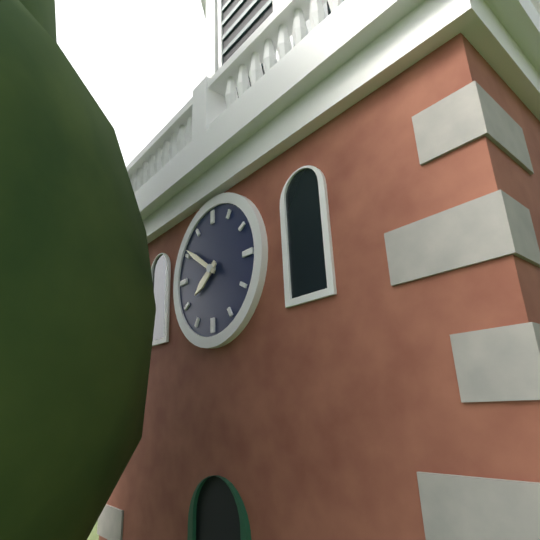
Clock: 7.51
